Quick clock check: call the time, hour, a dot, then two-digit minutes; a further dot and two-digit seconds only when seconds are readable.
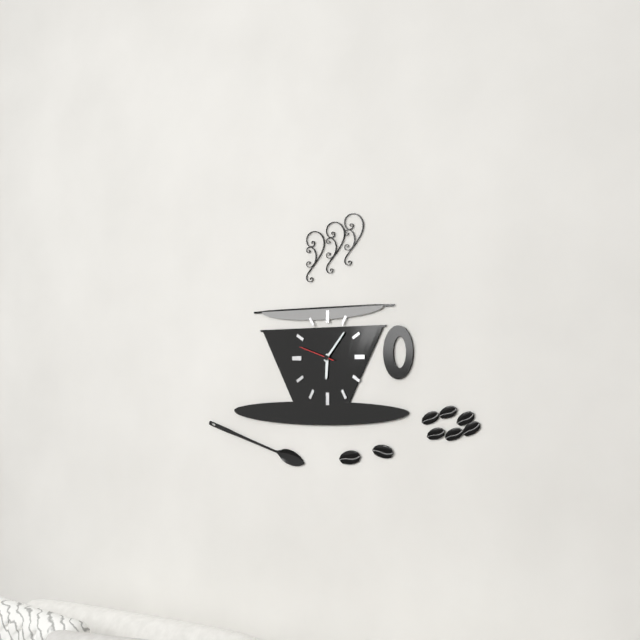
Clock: 6.07
